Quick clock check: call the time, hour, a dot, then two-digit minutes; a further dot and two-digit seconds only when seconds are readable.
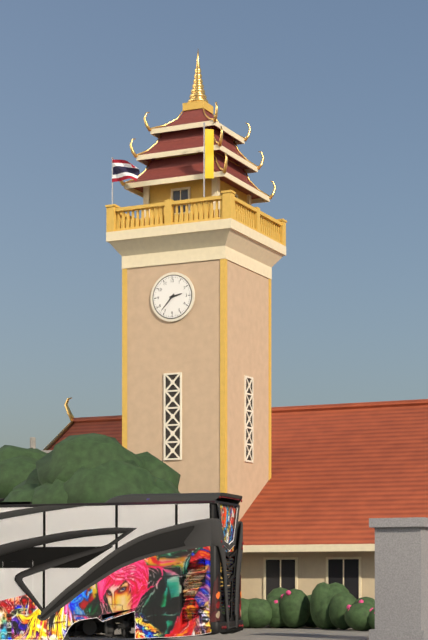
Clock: 2.37
